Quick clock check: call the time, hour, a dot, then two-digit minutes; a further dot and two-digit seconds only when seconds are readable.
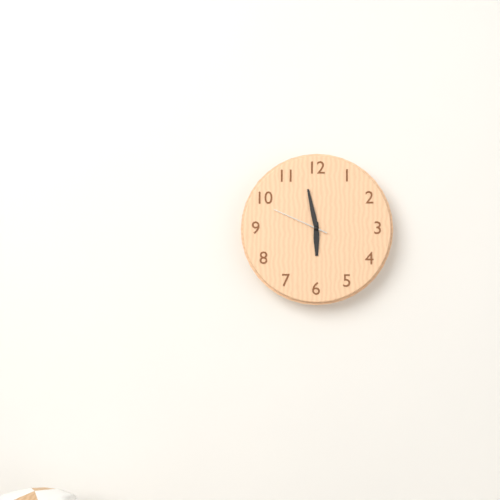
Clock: 5.58.49
